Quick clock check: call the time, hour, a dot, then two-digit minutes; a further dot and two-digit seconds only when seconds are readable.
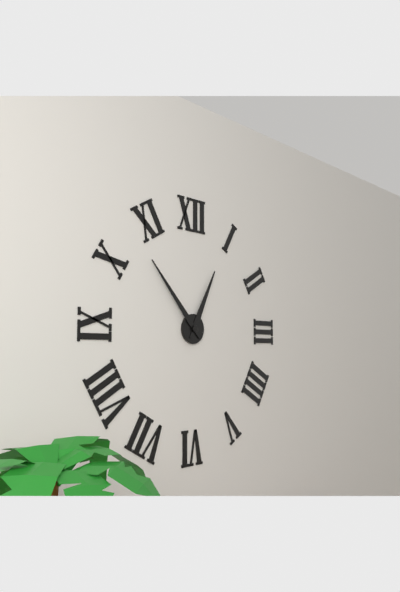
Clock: 12.53
